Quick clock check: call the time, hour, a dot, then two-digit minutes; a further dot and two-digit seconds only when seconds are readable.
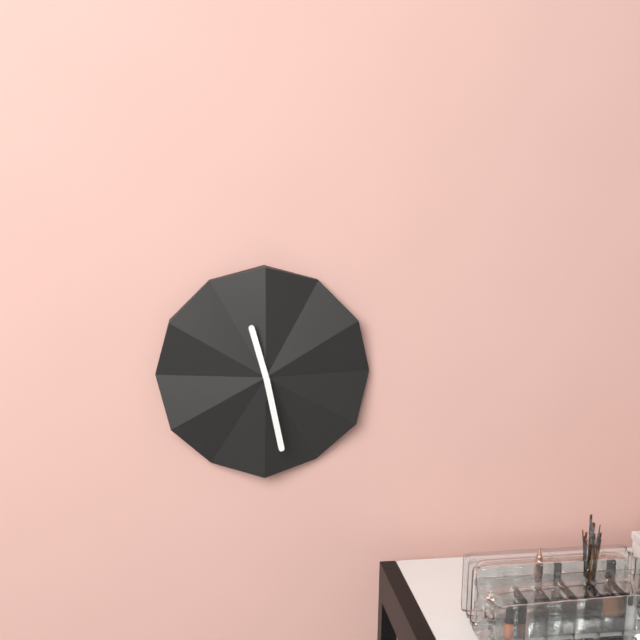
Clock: 11.28
